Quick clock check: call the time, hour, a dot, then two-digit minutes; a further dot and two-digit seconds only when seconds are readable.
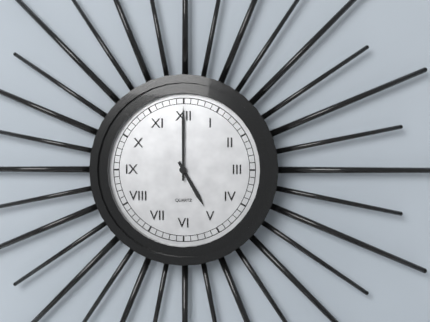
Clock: 5.00
